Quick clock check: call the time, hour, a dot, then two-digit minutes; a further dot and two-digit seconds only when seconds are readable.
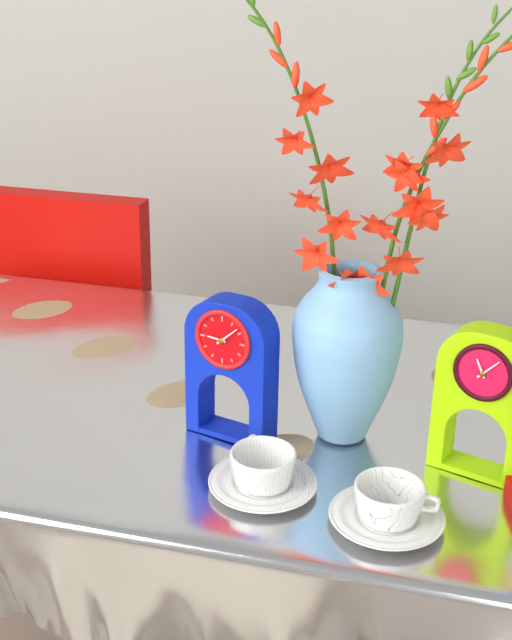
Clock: 9.08
